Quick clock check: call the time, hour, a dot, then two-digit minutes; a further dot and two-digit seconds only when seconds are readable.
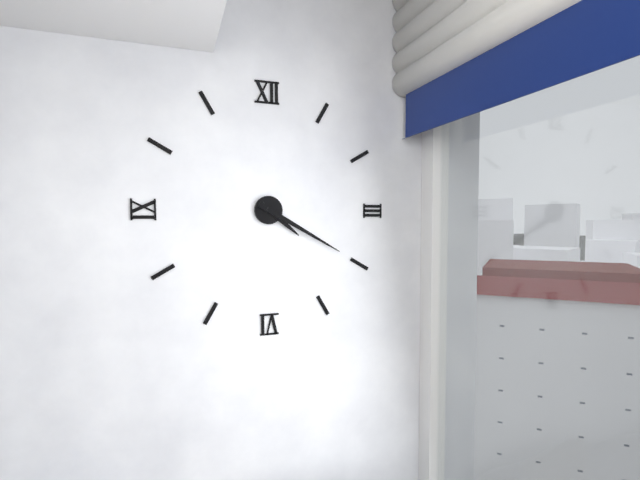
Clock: 4.20
